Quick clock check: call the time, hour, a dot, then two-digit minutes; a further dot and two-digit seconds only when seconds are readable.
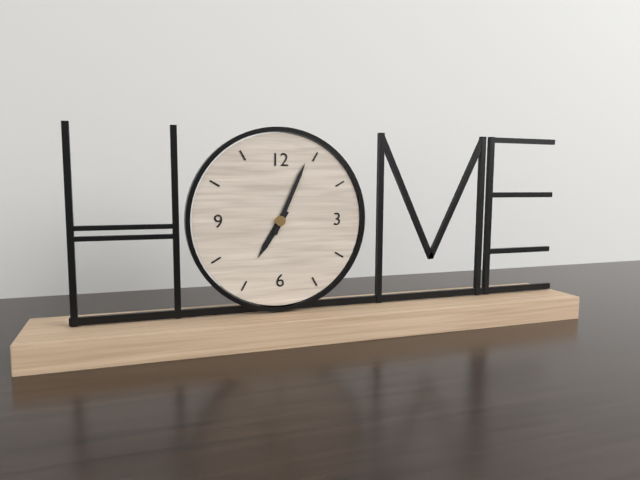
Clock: 7.04
